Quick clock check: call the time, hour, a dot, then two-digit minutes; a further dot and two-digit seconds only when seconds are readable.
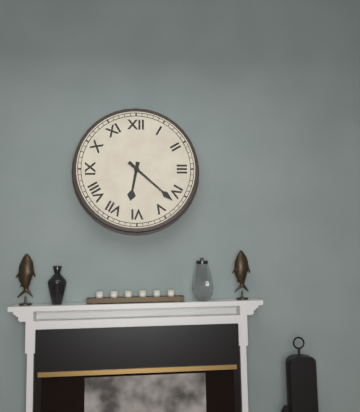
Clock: 6.22
